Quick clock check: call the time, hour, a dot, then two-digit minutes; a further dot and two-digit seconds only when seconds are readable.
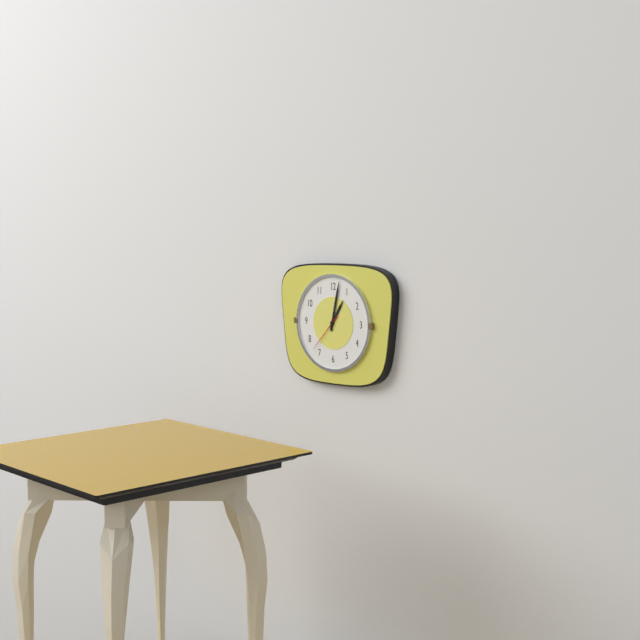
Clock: 1.02
